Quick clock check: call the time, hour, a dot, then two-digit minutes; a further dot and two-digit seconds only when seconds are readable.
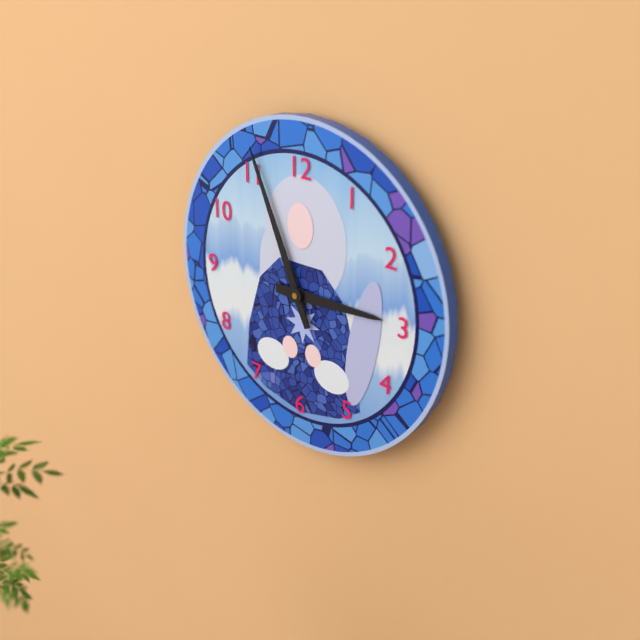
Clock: 2.56
